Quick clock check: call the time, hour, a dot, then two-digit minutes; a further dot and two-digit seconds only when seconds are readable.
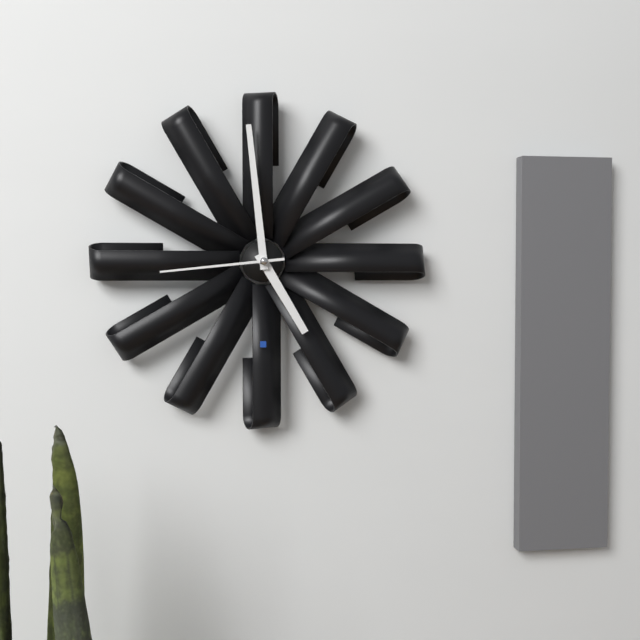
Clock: 4.59.44
